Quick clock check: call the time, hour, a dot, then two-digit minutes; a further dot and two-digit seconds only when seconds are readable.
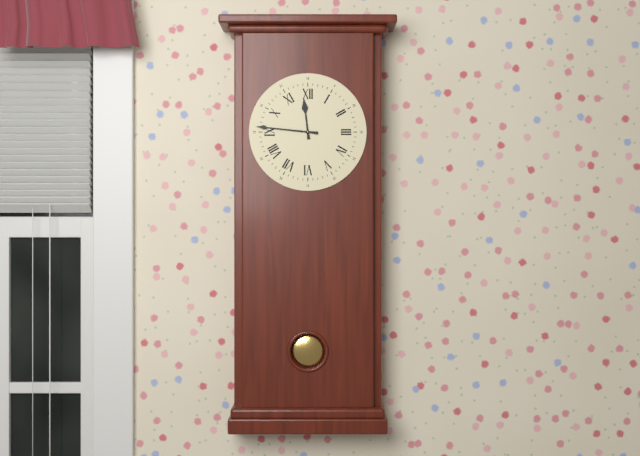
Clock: 11.46
